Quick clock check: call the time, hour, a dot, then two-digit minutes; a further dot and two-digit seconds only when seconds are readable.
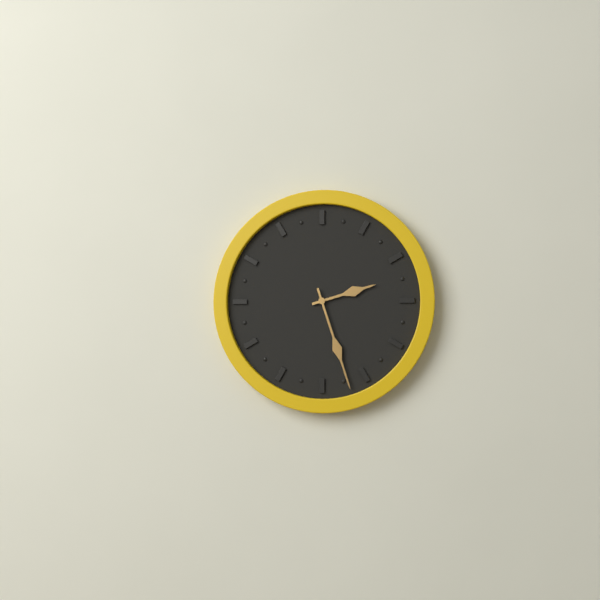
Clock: 2.27
